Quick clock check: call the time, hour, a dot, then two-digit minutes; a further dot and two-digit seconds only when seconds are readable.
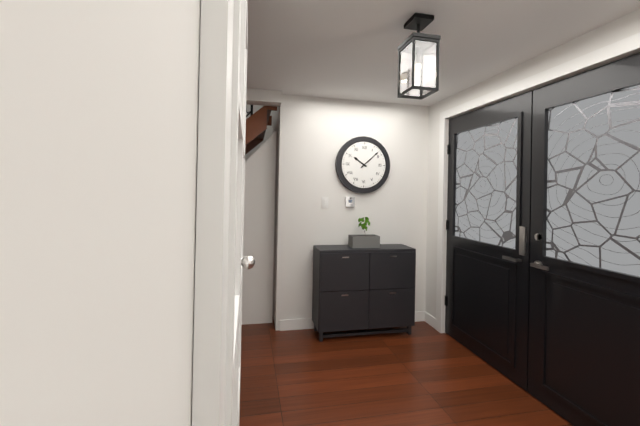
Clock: 10.08
